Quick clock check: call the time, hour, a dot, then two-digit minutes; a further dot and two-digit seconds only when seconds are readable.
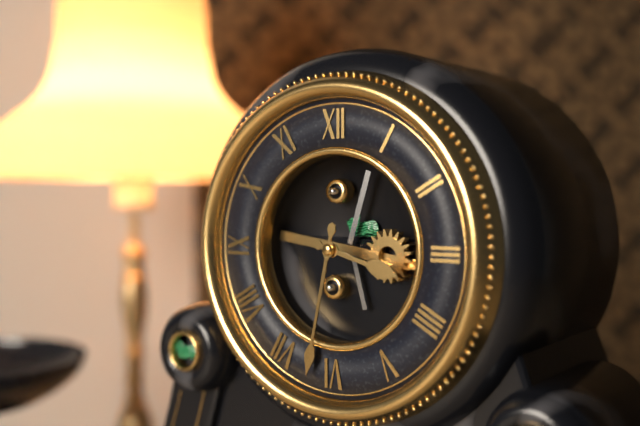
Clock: 3.32
